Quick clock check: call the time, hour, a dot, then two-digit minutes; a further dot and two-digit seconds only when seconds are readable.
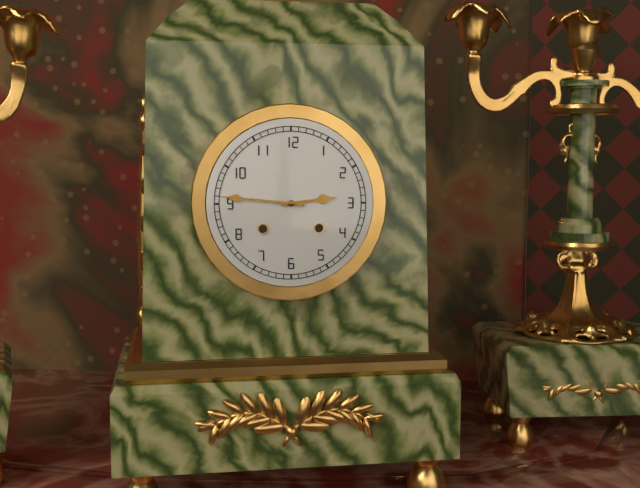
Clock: 2.46
